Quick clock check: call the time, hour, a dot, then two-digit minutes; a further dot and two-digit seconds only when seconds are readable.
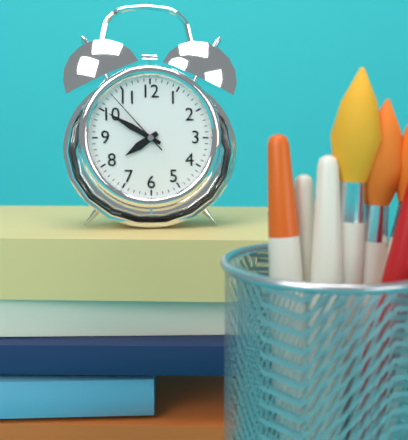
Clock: 7.50.53
